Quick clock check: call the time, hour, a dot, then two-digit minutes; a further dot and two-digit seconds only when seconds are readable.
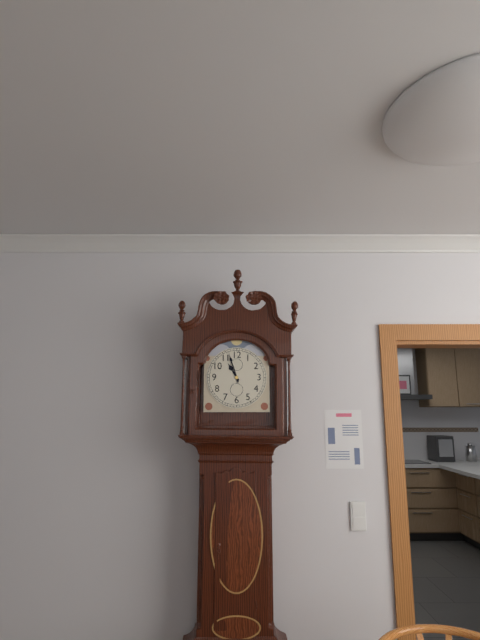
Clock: 10.57
